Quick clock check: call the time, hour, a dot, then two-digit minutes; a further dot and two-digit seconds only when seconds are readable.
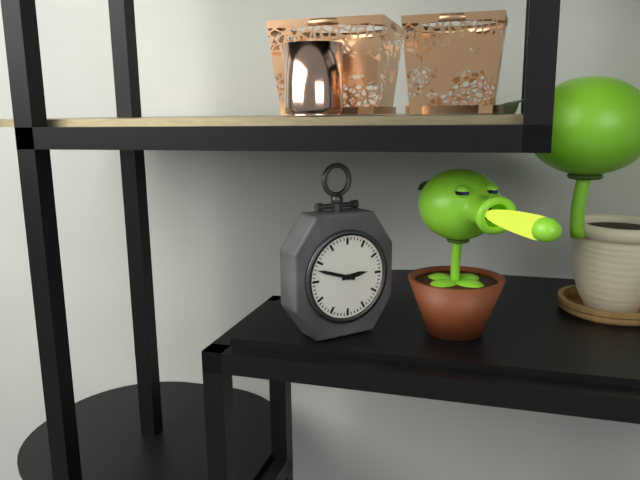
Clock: 2.48
